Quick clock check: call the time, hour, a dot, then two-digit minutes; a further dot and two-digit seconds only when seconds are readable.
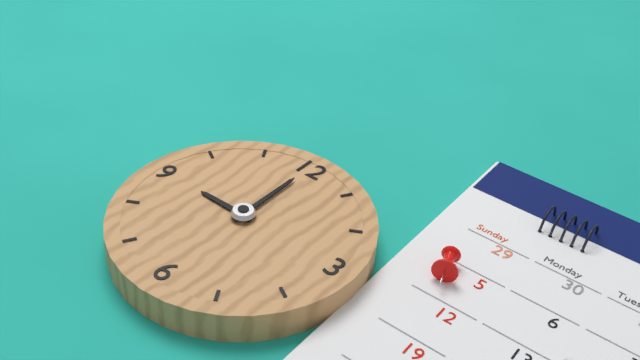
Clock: 9.00
